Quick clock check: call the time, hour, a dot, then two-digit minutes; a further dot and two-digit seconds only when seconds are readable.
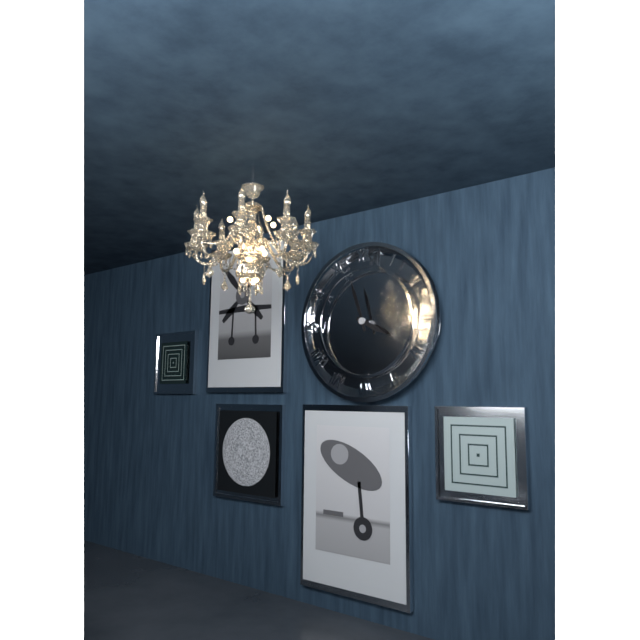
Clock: 3.57
